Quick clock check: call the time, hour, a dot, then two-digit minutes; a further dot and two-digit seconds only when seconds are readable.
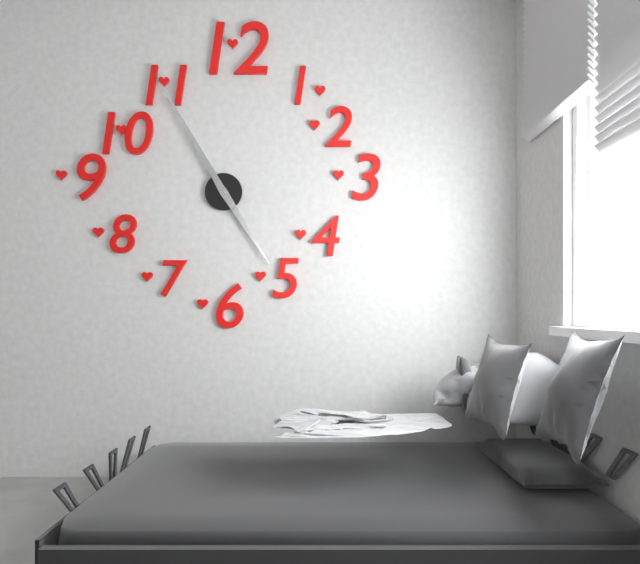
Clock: 4.55
